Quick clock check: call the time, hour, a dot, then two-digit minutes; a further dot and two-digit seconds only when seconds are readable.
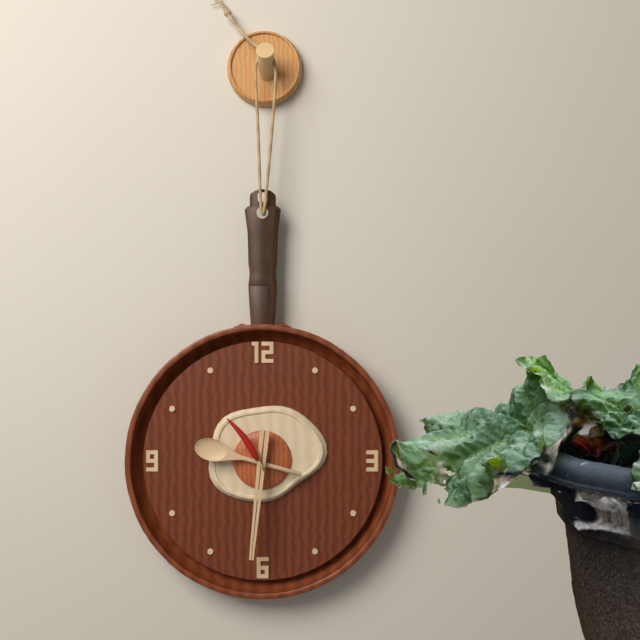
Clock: 9.31.54
